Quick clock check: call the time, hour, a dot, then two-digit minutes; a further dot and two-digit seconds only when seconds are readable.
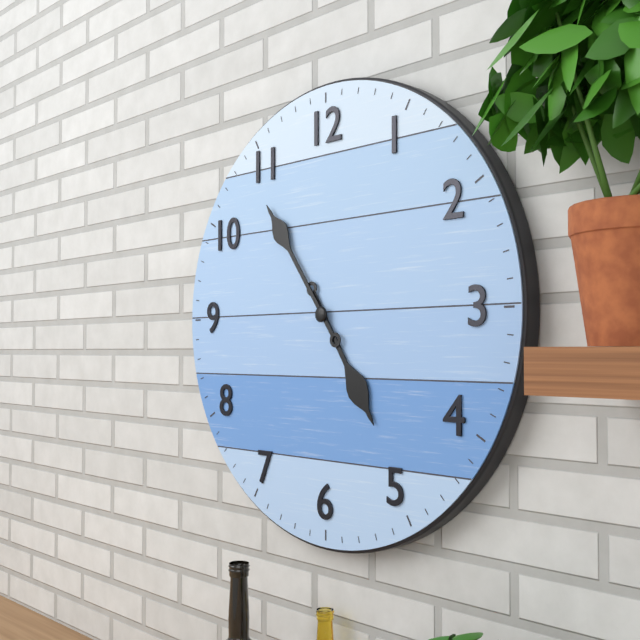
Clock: 4.54
